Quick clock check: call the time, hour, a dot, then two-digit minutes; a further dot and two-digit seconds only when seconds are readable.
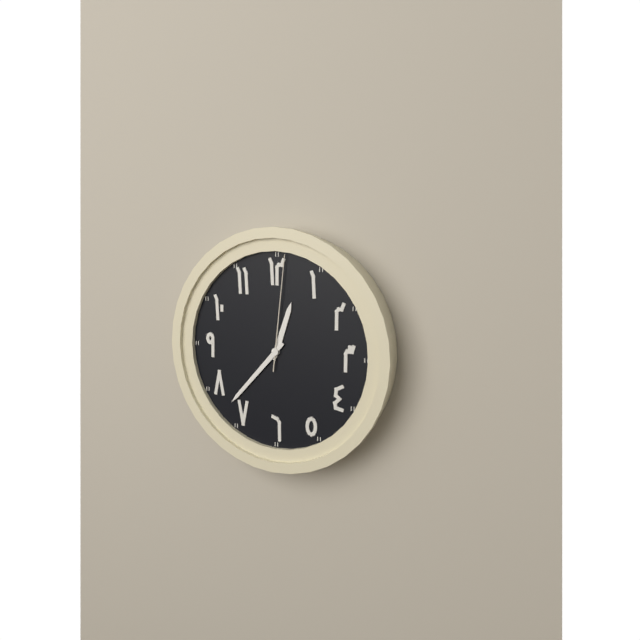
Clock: 12.37.01
